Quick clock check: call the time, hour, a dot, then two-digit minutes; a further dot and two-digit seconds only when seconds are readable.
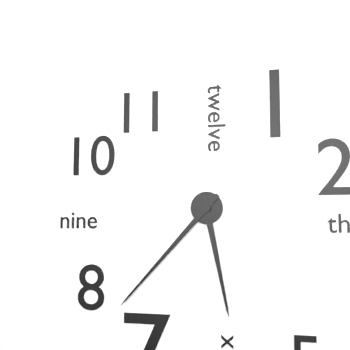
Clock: 5.37
